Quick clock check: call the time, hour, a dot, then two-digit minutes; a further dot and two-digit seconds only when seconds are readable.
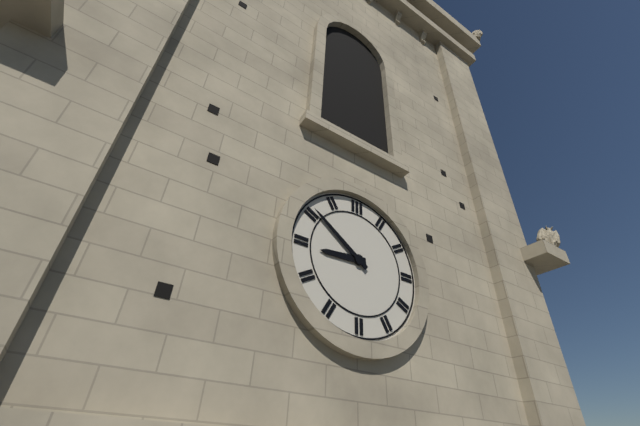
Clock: 8.51
